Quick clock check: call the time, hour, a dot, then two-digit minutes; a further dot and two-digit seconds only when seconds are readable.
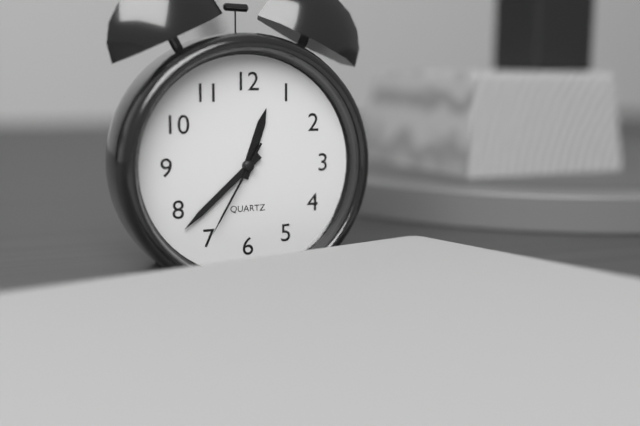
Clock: 12.38.35
